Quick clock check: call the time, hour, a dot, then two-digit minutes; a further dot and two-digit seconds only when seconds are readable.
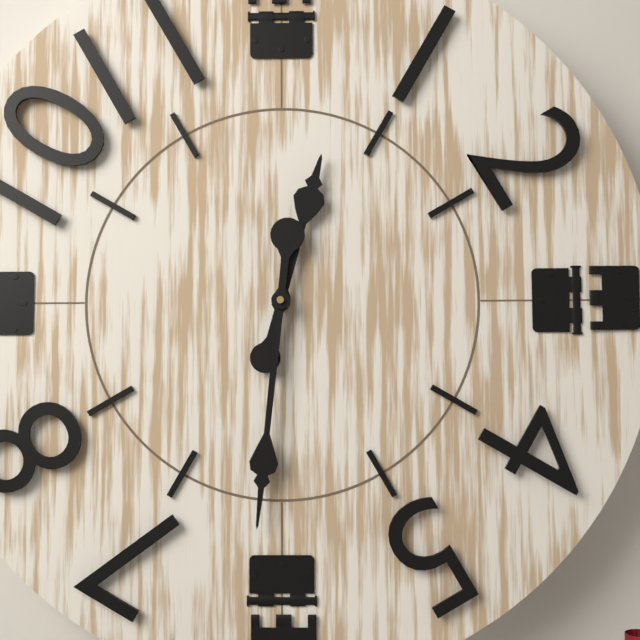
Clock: 12.31
